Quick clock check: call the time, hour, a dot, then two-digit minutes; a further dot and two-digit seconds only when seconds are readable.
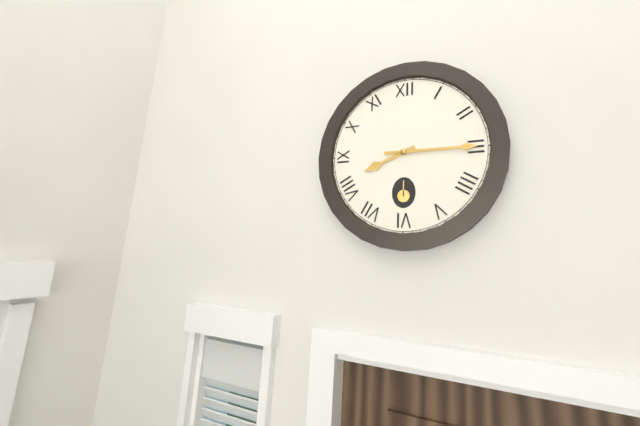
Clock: 8.15
